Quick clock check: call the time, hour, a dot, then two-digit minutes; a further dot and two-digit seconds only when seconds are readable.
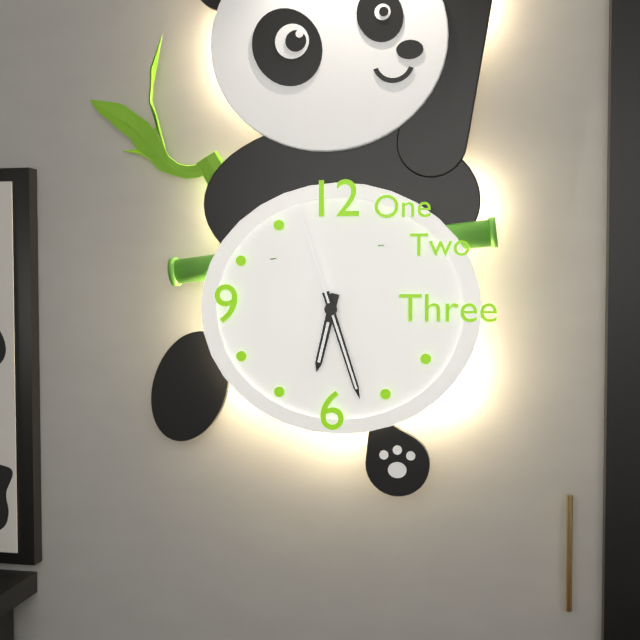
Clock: 6.27.57
